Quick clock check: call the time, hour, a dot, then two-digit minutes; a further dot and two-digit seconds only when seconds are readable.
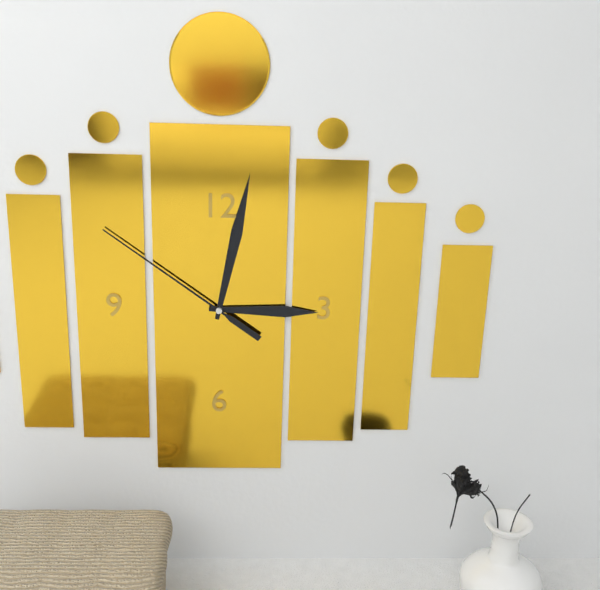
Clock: 3.02.51
